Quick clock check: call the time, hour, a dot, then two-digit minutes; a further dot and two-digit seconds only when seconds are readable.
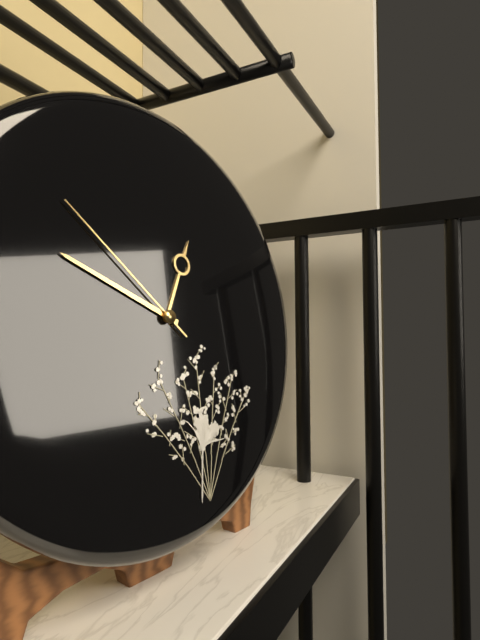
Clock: 12.49.52
